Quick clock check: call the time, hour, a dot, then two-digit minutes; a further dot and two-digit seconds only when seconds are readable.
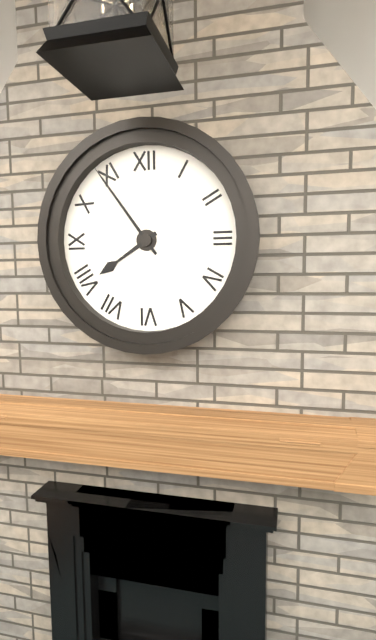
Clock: 7.54
